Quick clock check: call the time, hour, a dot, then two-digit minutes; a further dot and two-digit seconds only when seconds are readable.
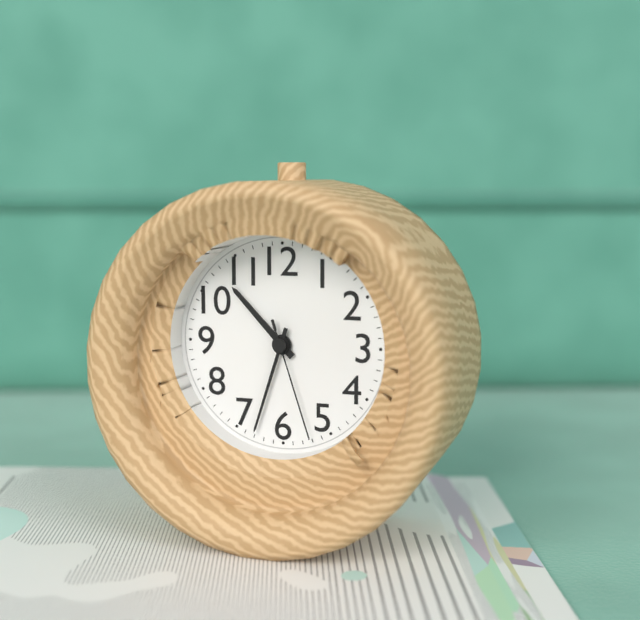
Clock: 10.33.27
